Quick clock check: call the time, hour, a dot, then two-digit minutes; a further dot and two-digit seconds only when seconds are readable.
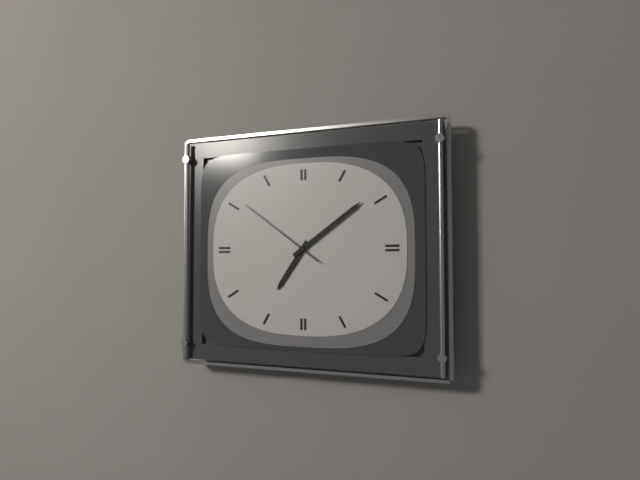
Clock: 7.09.51
